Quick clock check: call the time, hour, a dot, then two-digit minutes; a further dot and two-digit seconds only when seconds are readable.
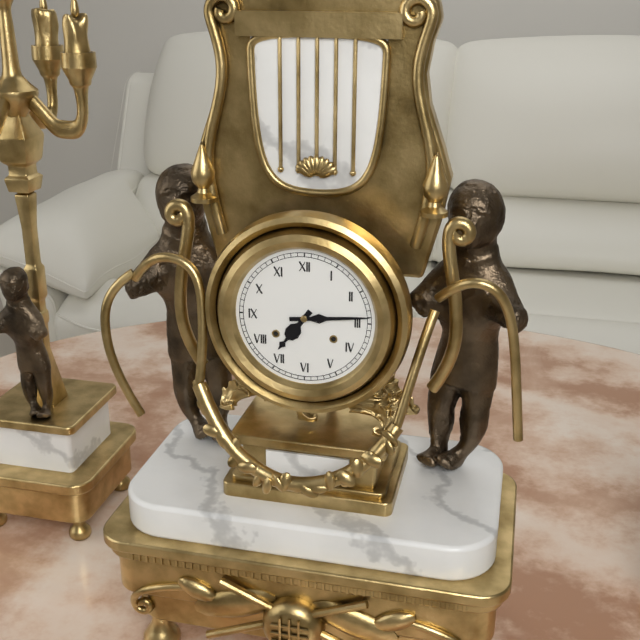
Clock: 7.14
